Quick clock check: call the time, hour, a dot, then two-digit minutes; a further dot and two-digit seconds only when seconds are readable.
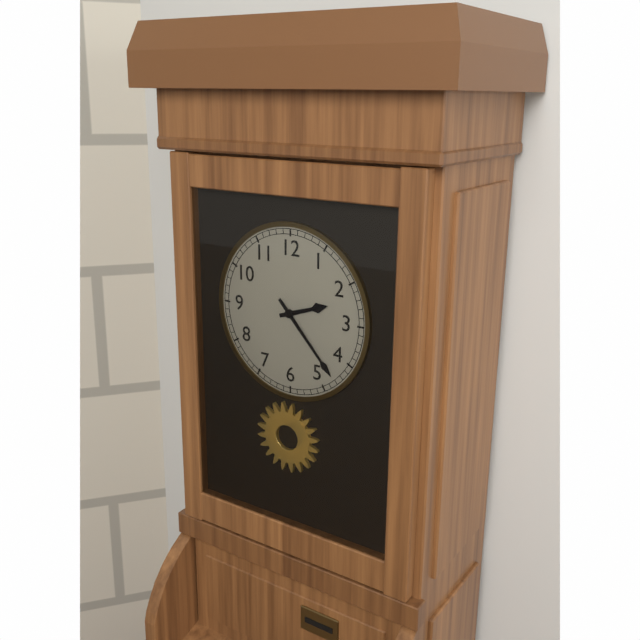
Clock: 2.23
